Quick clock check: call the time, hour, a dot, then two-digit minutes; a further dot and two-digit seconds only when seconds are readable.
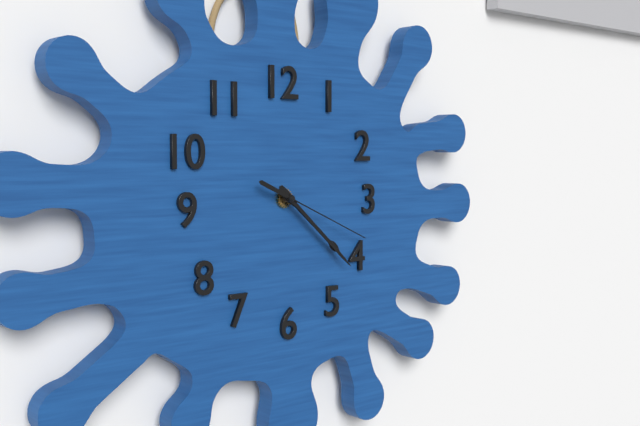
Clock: 4.22.19
